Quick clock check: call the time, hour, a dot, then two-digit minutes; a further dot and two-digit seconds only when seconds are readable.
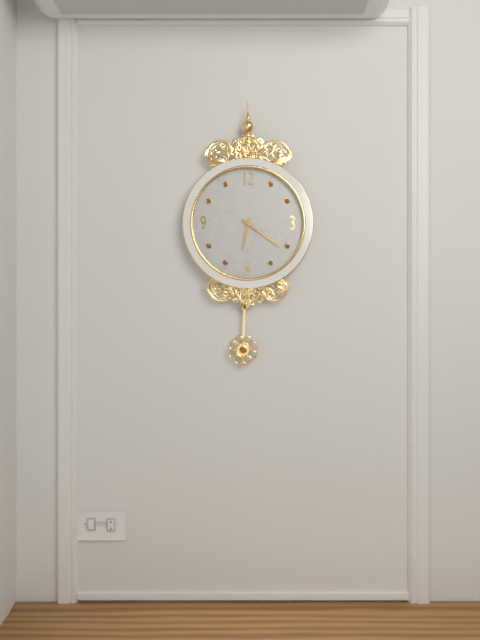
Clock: 6.21
